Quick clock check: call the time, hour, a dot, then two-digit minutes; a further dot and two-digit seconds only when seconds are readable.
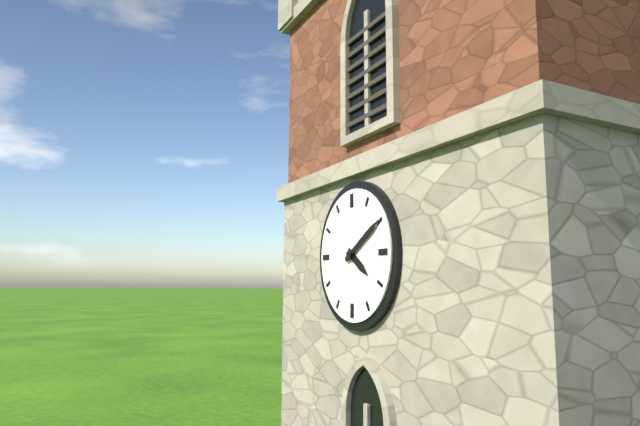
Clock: 4.10
